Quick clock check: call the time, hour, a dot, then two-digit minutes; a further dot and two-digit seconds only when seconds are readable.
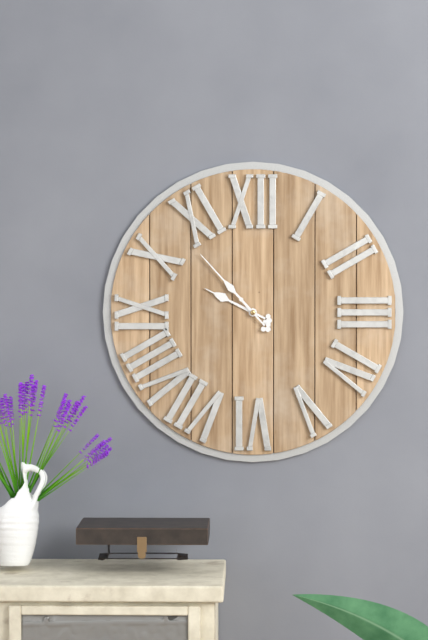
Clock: 9.53
